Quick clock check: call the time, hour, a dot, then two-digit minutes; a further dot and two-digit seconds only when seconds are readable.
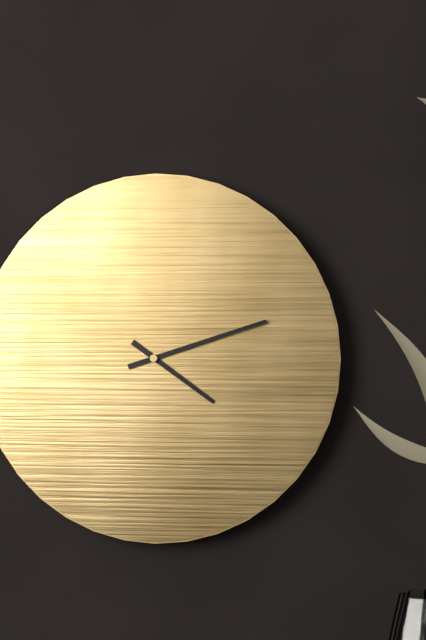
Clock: 4.12
